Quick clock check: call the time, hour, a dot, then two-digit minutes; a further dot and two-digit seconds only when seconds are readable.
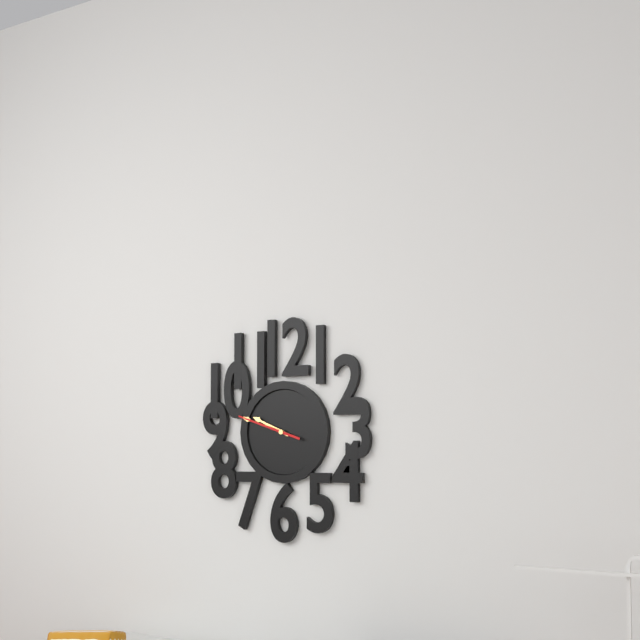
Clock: 9.48.48
